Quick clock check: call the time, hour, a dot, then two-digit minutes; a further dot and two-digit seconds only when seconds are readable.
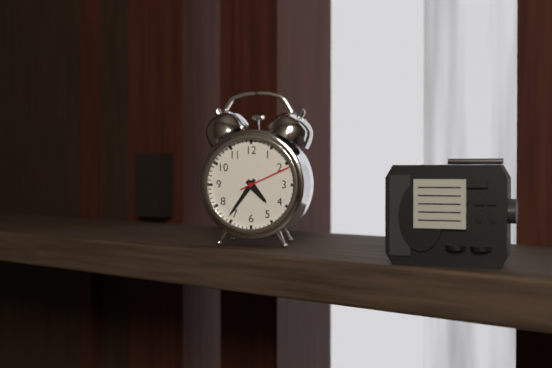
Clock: 4.36
